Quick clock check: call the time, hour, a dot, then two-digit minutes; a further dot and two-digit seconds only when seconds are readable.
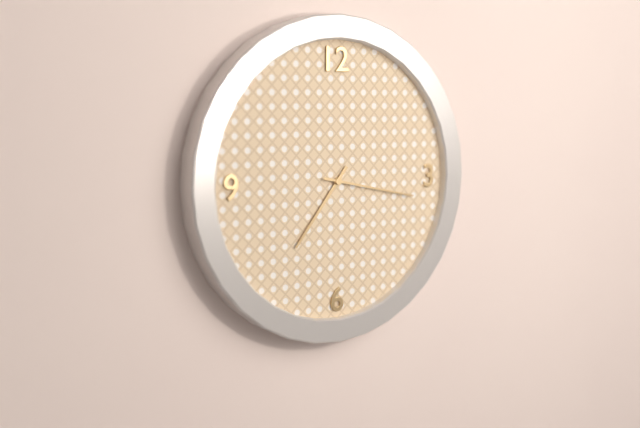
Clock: 7.17
